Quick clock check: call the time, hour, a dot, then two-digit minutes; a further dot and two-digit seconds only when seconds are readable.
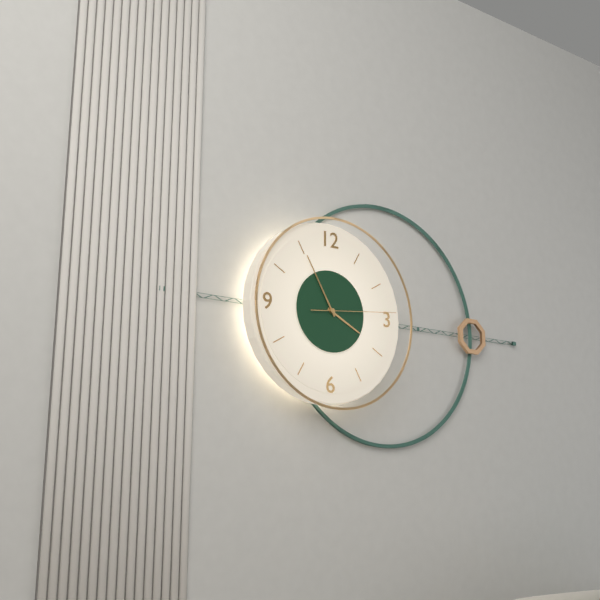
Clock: 3.55.14
